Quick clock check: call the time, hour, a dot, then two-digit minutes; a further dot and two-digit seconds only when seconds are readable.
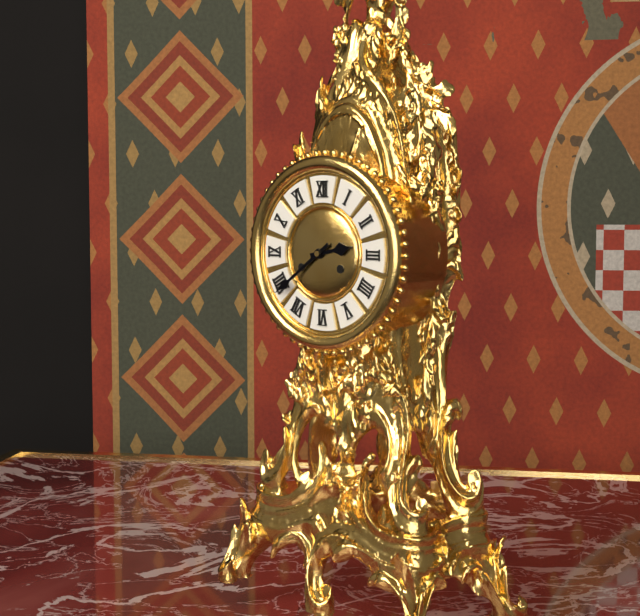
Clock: 2.39
